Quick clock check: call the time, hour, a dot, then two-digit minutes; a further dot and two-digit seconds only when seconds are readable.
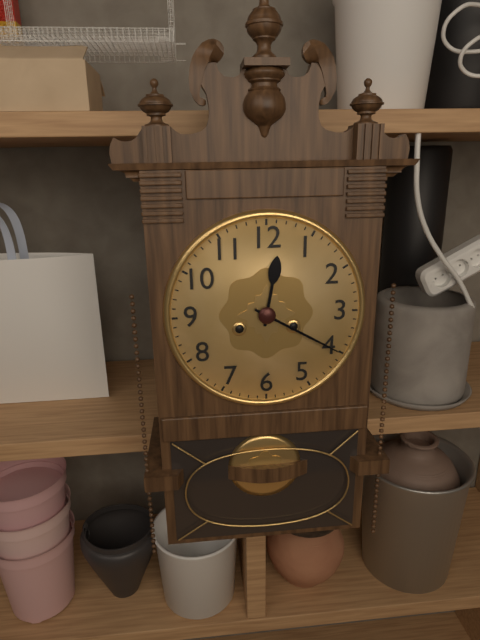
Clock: 12.20
